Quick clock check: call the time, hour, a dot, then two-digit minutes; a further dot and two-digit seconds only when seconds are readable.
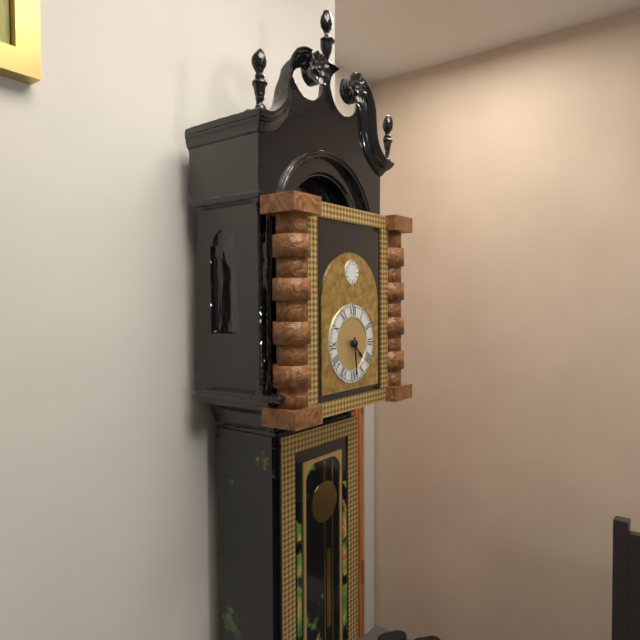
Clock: 4.29
